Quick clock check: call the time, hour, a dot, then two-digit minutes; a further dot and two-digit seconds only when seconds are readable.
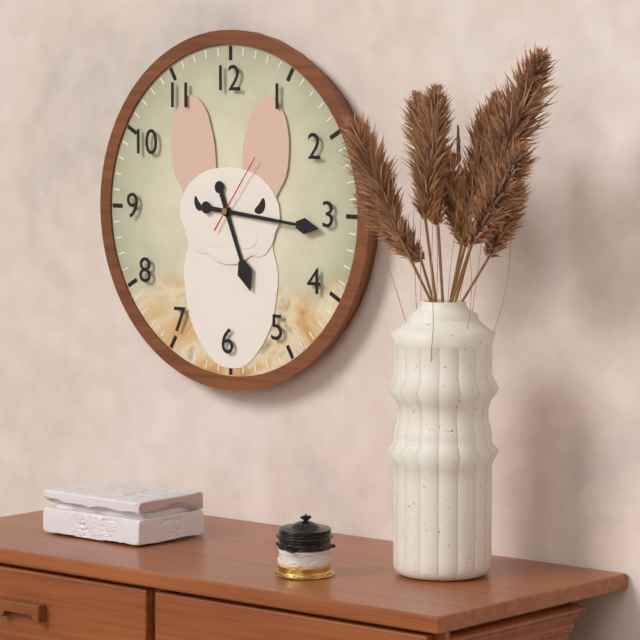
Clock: 5.16.06
